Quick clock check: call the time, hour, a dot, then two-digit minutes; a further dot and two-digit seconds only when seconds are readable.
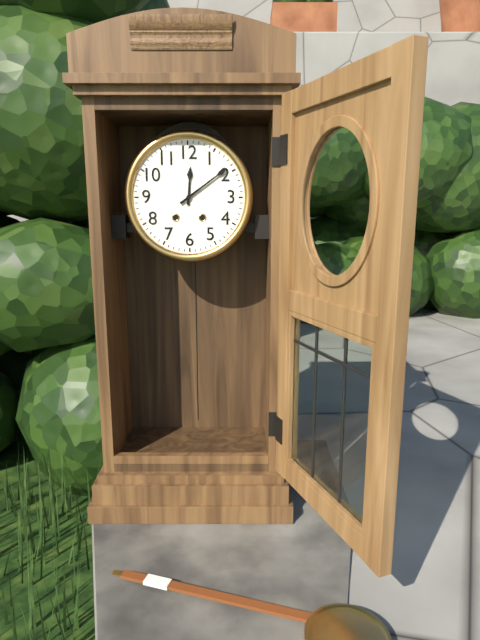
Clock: 12.09
